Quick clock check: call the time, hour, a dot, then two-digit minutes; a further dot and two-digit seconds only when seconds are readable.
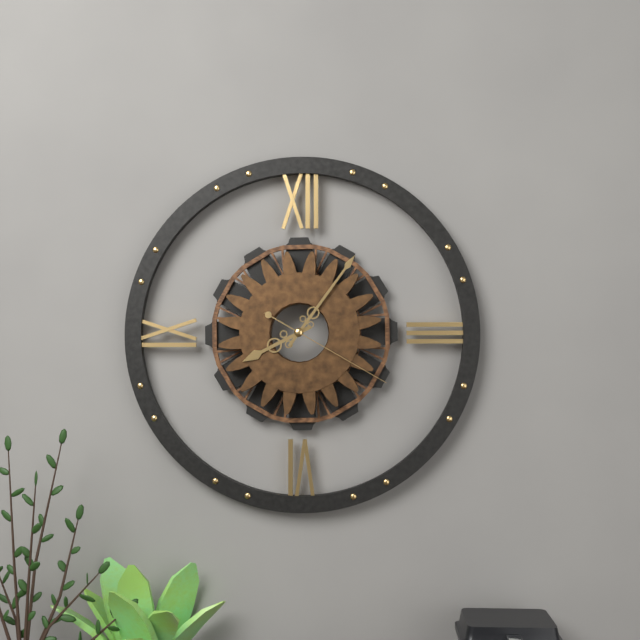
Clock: 8.06.20
